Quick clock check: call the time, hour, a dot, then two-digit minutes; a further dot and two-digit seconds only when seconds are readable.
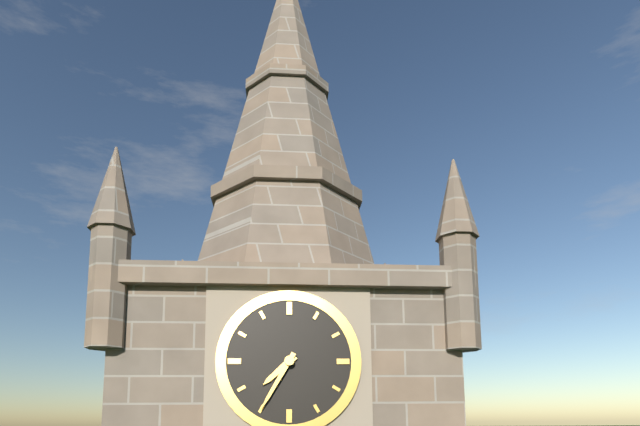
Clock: 7.35
